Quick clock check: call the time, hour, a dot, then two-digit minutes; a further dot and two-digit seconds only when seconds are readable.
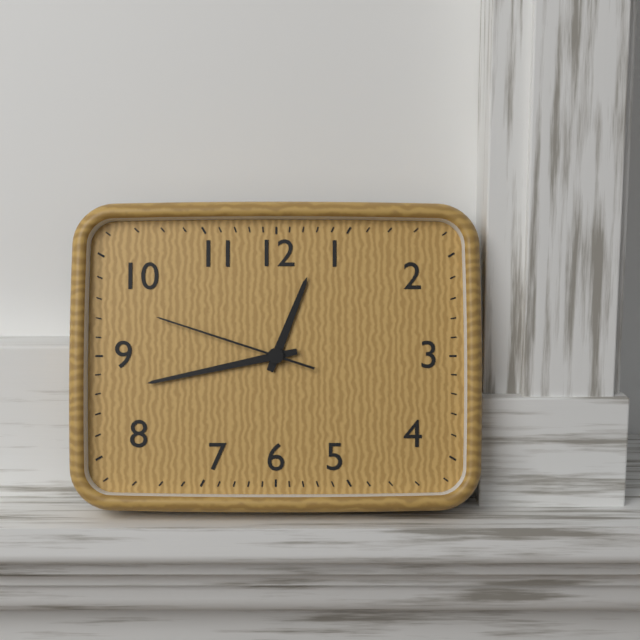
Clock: 12.43.48
